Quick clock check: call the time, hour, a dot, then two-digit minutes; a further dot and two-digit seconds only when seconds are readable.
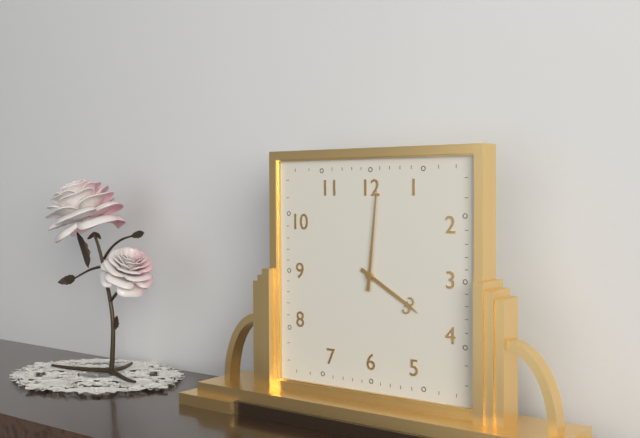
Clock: 4.01
